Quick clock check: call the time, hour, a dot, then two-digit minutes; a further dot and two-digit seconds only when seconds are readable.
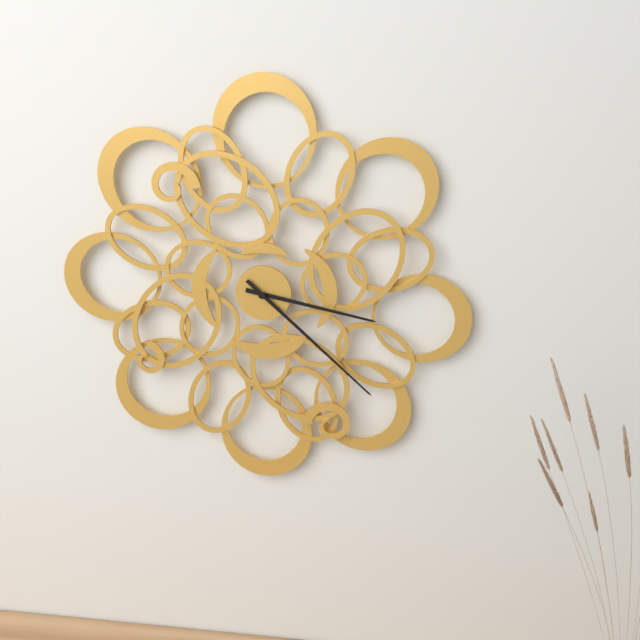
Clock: 3.22
